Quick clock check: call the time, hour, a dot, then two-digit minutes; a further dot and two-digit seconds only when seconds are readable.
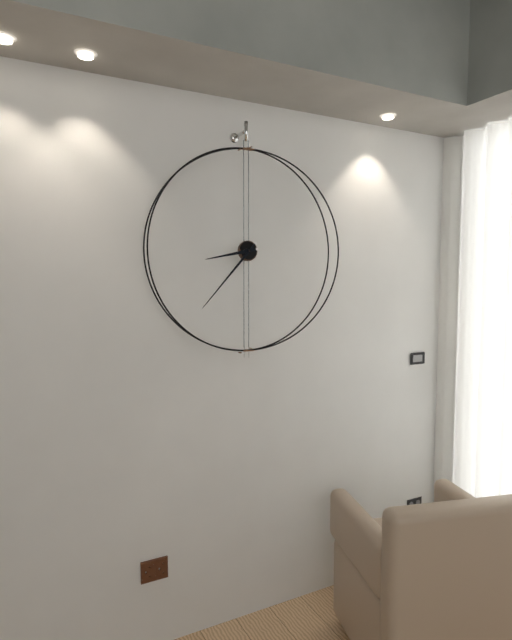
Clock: 8.37
